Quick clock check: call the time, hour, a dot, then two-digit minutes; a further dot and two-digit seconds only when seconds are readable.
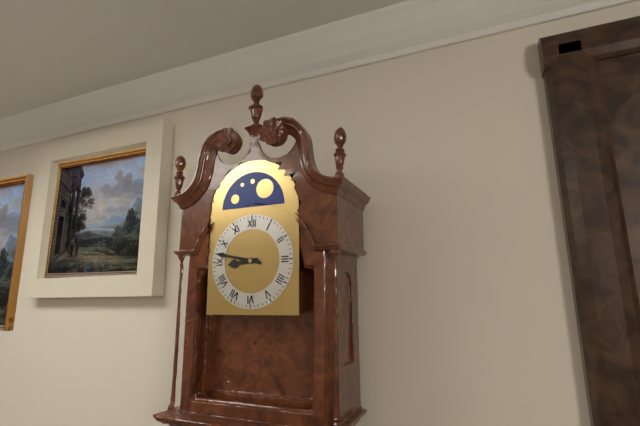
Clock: 8.47
